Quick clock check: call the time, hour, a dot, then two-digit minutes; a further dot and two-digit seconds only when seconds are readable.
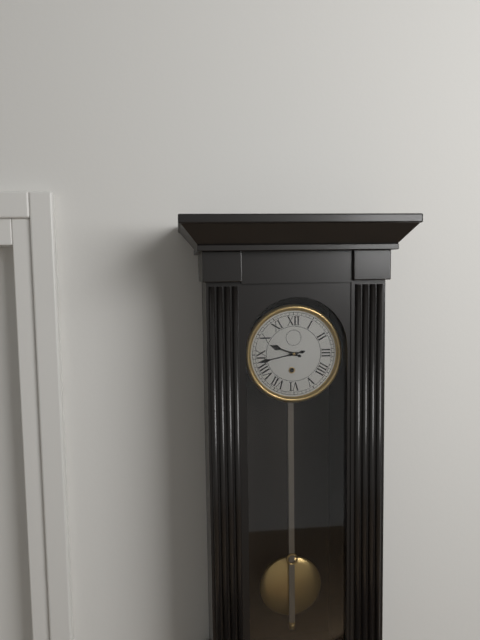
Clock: 9.43
